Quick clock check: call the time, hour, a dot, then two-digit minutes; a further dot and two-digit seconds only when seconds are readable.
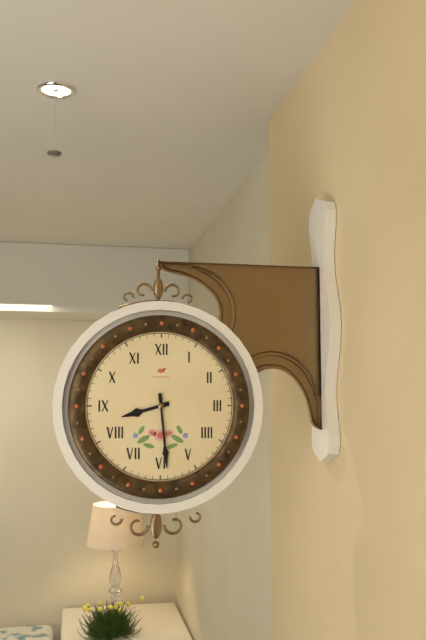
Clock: 8.29
